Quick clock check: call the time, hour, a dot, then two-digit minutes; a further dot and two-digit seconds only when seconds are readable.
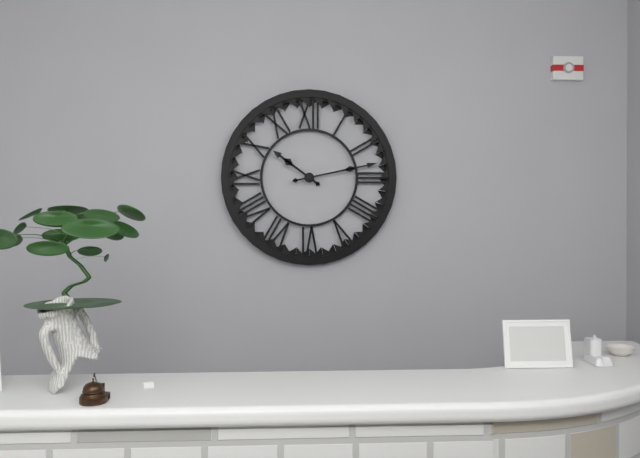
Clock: 10.13
